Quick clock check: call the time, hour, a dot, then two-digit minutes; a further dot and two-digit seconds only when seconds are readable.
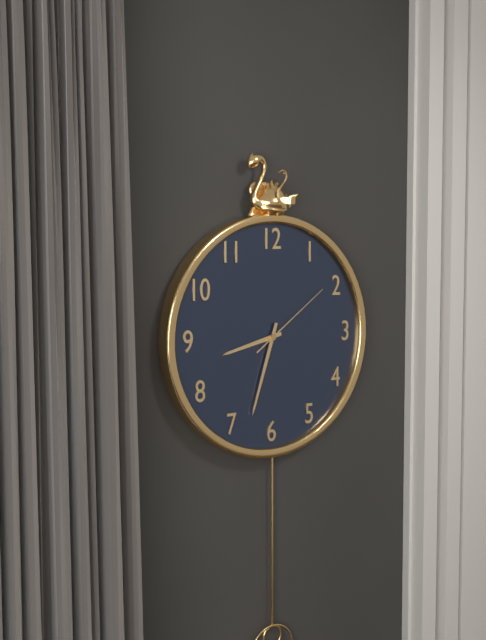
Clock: 8.33.09
